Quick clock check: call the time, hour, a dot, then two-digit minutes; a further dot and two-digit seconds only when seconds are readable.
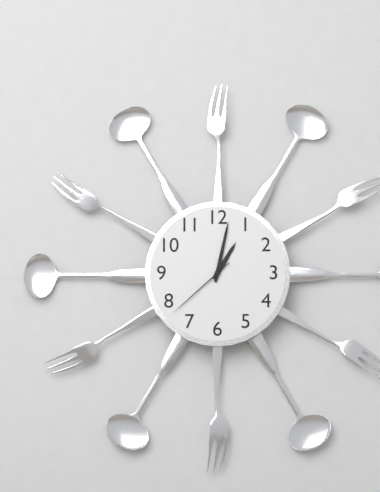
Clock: 1.02.38
